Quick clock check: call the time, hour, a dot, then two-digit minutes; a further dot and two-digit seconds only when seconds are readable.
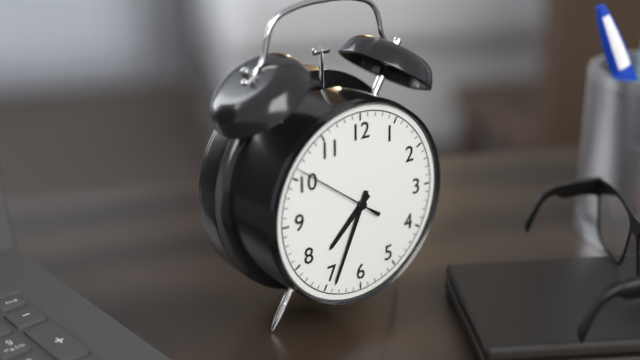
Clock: 7.34.51
